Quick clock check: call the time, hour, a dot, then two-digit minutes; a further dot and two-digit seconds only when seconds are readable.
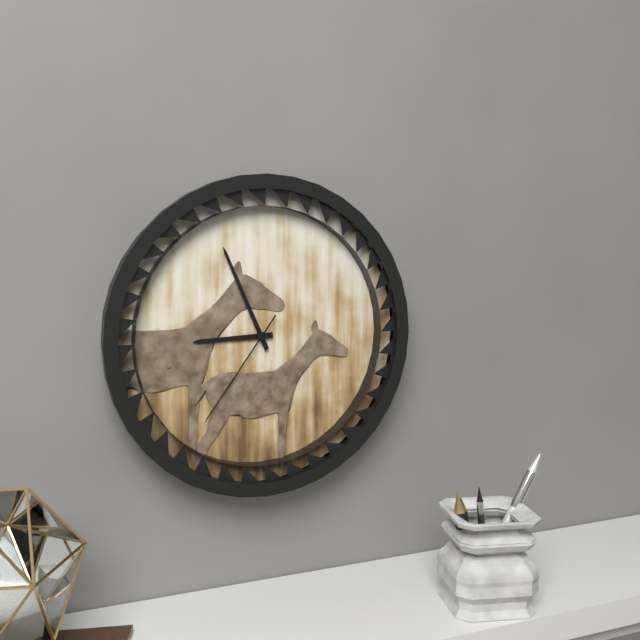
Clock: 8.56.36
